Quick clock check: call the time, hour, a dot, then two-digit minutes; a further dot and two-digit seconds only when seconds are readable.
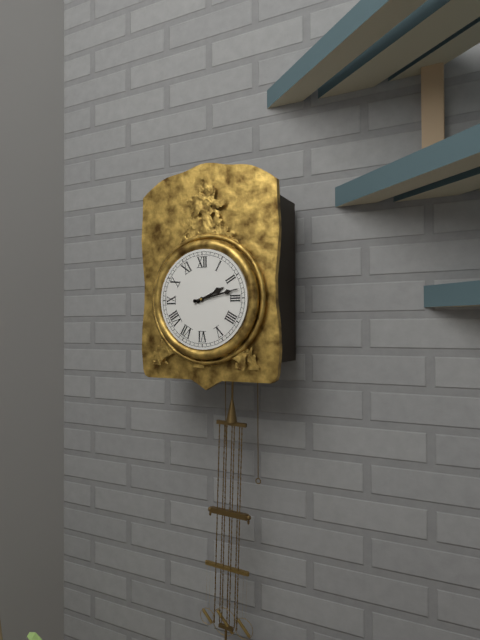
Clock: 2.13
